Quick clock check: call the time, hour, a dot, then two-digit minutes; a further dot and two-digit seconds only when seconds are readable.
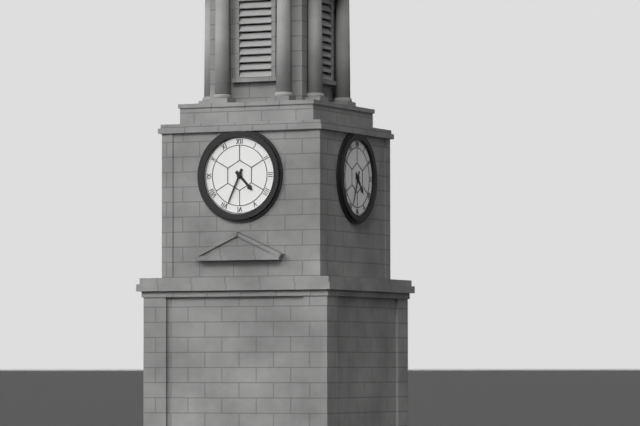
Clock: 4.34
